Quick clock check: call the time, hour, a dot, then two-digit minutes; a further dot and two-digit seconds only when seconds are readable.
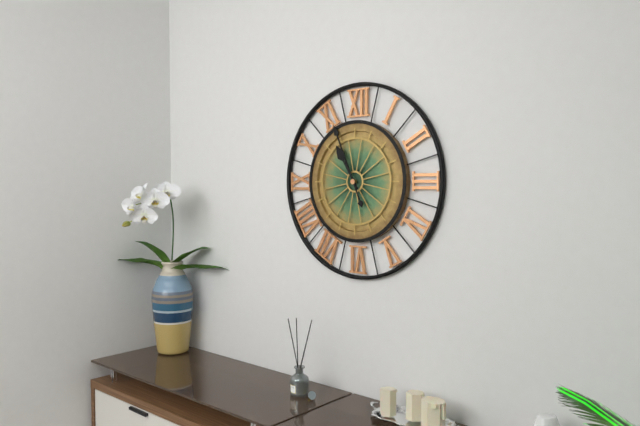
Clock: 10.56
